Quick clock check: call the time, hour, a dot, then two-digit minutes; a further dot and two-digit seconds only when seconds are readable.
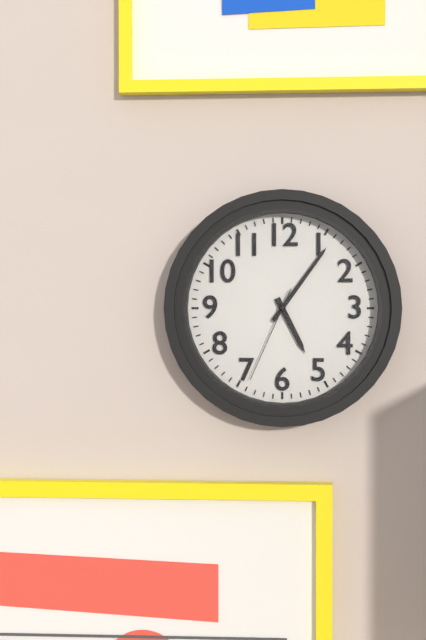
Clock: 5.06.34
